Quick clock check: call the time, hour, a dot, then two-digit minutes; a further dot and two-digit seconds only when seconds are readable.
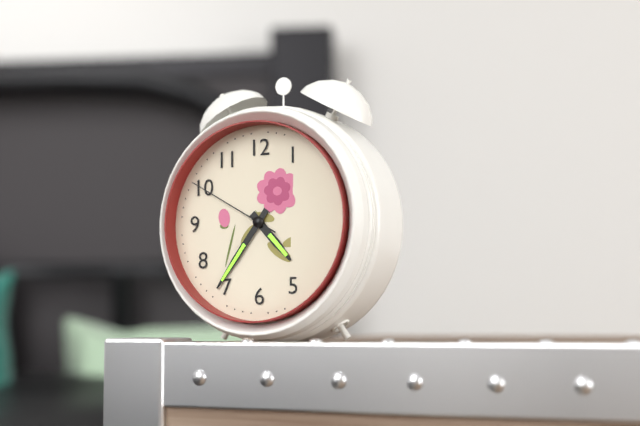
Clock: 4.36.50
